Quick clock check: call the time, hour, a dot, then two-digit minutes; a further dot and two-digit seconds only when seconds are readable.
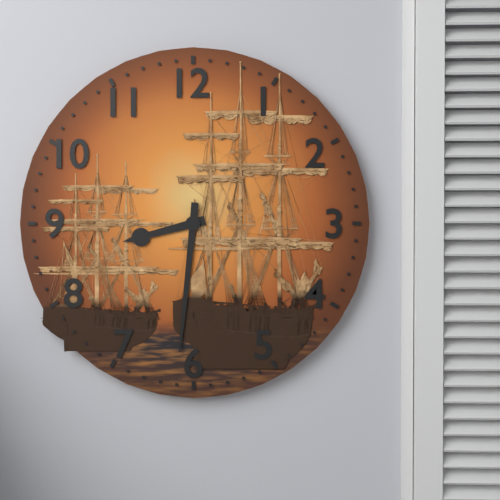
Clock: 8.31
